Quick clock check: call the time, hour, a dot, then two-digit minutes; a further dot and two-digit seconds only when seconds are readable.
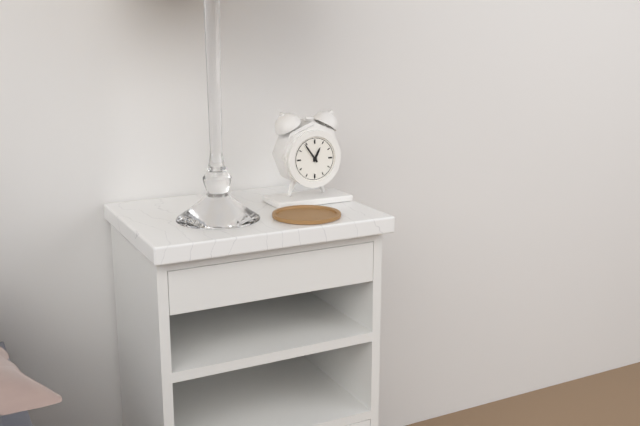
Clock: 12.54
